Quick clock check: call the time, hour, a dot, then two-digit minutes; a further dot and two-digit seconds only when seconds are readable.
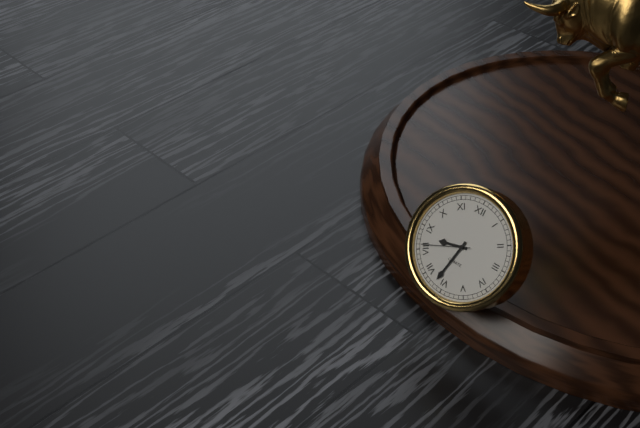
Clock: 8.32.41
